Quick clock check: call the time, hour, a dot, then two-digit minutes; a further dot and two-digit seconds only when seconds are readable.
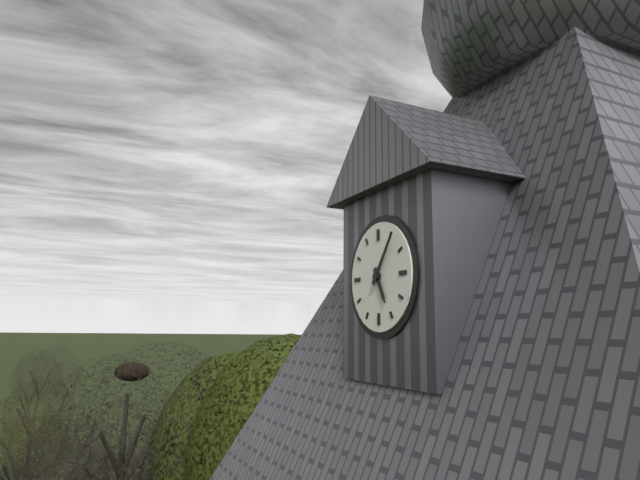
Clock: 5.06
